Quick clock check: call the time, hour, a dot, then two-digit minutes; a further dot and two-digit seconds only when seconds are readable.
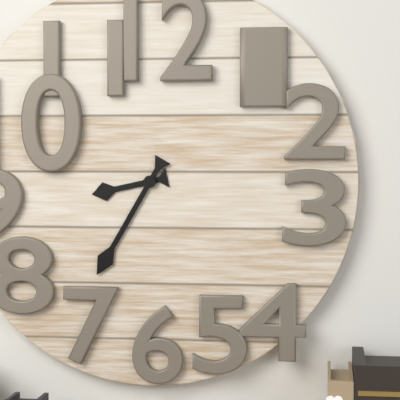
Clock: 8.35
